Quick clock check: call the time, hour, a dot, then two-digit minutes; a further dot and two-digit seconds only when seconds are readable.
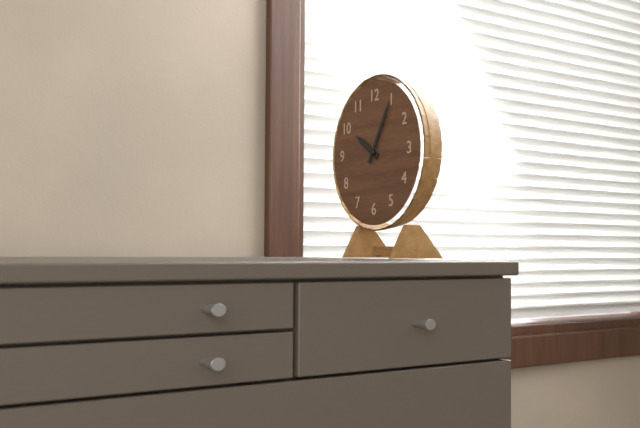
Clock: 10.05
